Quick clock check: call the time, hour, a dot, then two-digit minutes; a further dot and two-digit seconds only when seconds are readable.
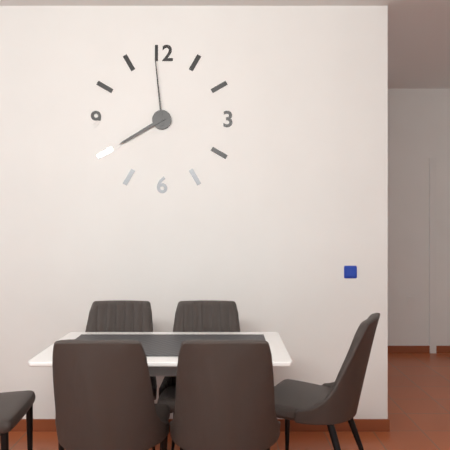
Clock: 7.59
